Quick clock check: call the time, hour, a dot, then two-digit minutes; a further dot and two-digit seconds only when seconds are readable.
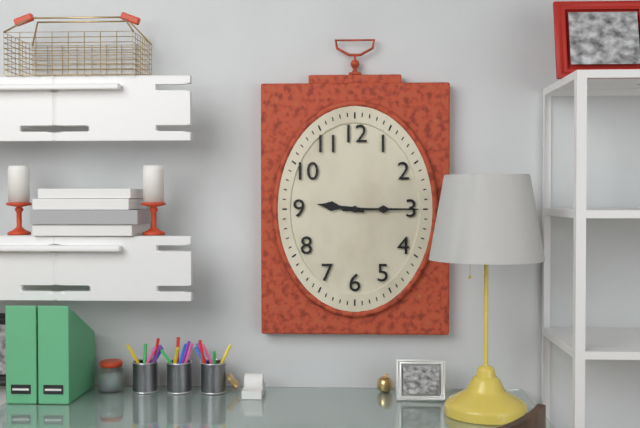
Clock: 9.15
